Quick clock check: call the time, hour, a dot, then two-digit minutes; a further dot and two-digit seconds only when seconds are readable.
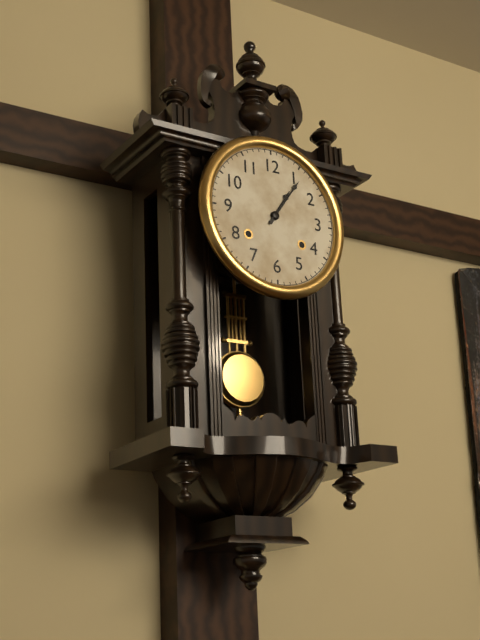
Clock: 1.06
